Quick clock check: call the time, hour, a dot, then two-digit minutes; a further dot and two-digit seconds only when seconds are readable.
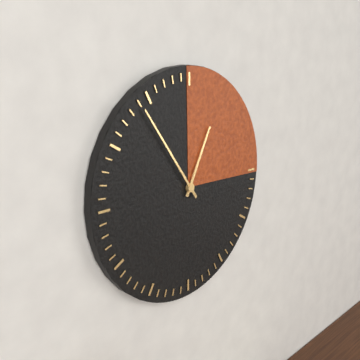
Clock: 12.54
